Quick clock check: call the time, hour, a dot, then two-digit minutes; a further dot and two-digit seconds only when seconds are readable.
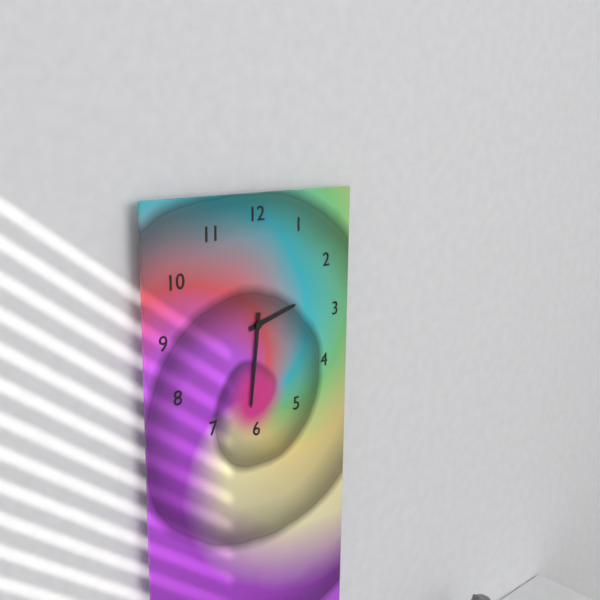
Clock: 2.31
